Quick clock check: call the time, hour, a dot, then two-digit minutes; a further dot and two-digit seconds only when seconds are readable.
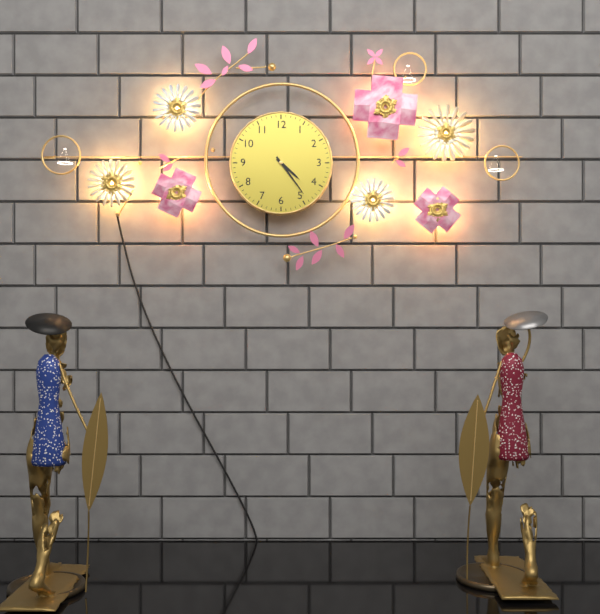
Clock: 4.24
